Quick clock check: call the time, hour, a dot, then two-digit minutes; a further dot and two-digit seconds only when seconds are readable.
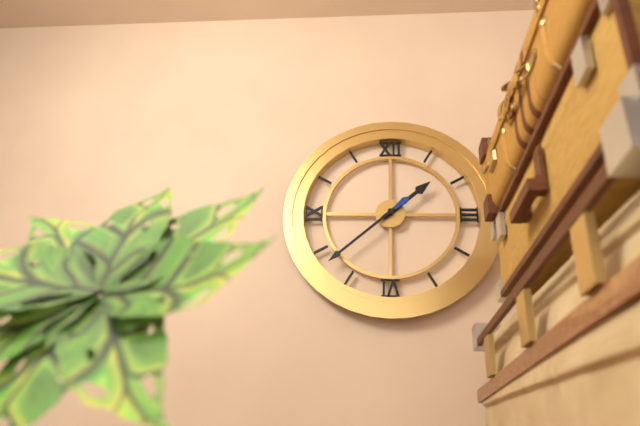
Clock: 1.38
